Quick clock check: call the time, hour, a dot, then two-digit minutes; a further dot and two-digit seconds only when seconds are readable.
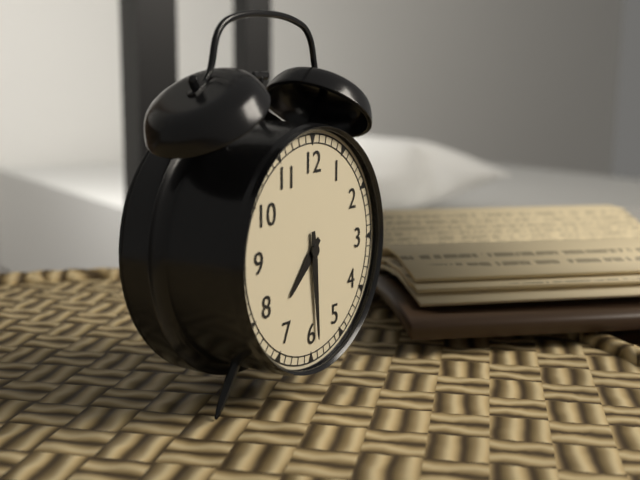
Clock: 7.29
